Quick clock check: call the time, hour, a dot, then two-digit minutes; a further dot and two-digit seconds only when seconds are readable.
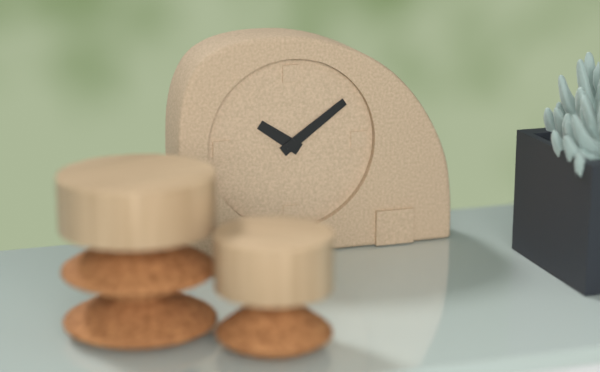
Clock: 10.09
